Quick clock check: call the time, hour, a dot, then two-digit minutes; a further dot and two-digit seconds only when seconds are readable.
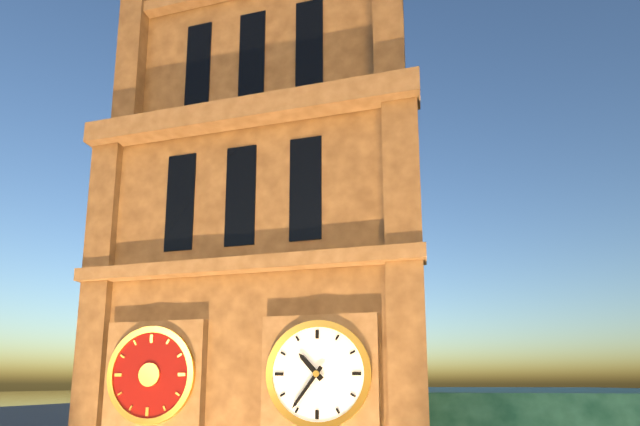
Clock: 10.36
